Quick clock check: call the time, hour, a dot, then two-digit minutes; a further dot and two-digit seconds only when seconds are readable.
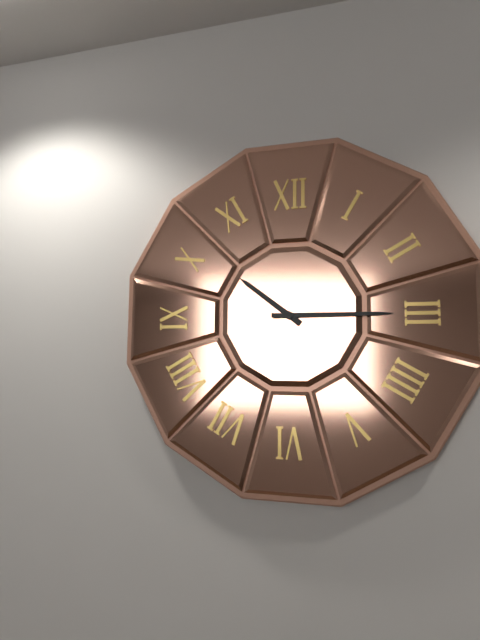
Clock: 10.15
